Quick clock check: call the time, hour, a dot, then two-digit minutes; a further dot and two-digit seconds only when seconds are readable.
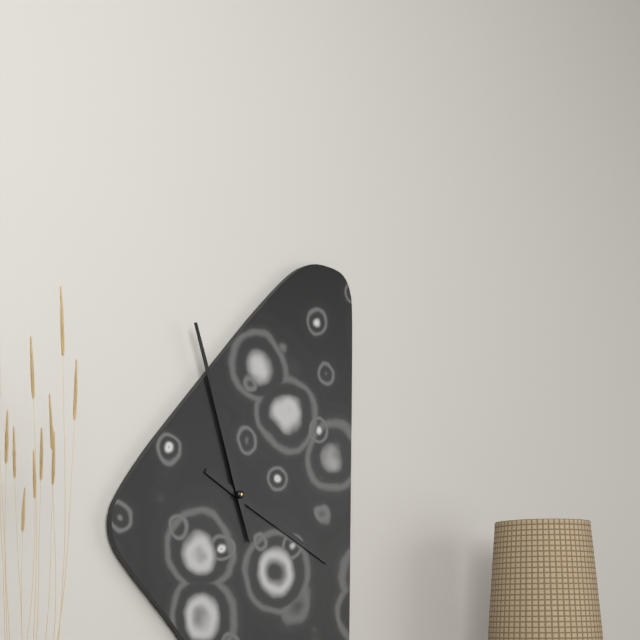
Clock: 3.57
